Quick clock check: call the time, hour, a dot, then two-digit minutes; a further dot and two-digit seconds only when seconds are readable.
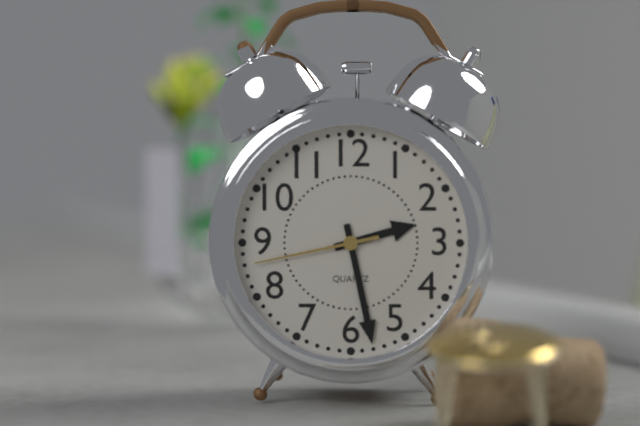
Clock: 2.28.43
